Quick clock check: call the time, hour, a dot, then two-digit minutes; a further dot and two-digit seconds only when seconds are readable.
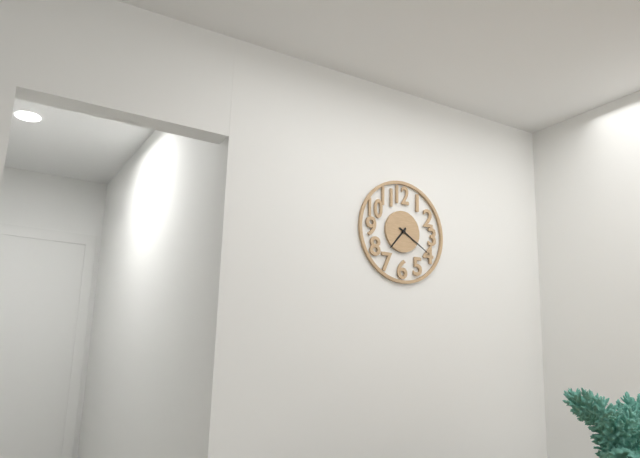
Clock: 7.20
